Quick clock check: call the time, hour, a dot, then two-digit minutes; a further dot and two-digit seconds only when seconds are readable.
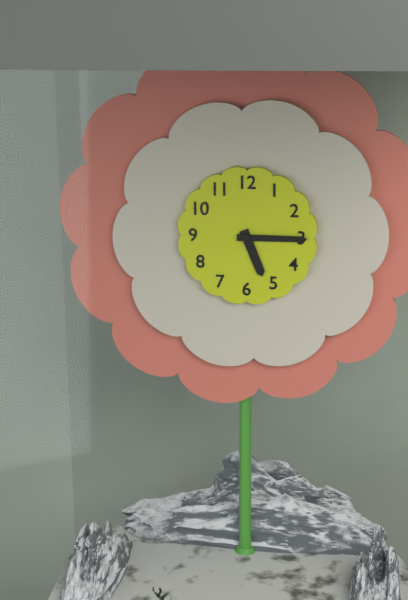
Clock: 5.15
